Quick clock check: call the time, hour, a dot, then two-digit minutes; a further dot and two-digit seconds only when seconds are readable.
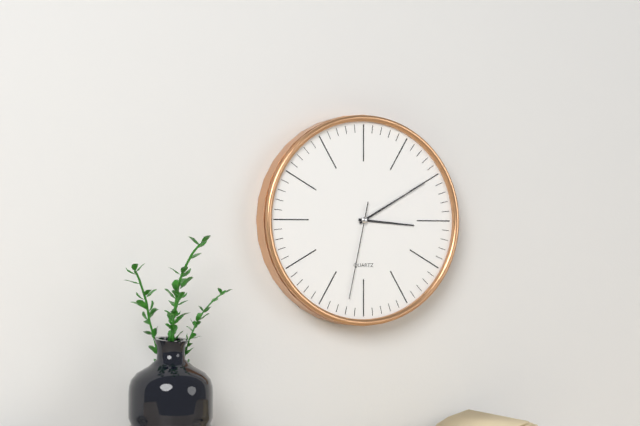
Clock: 3.10.32
